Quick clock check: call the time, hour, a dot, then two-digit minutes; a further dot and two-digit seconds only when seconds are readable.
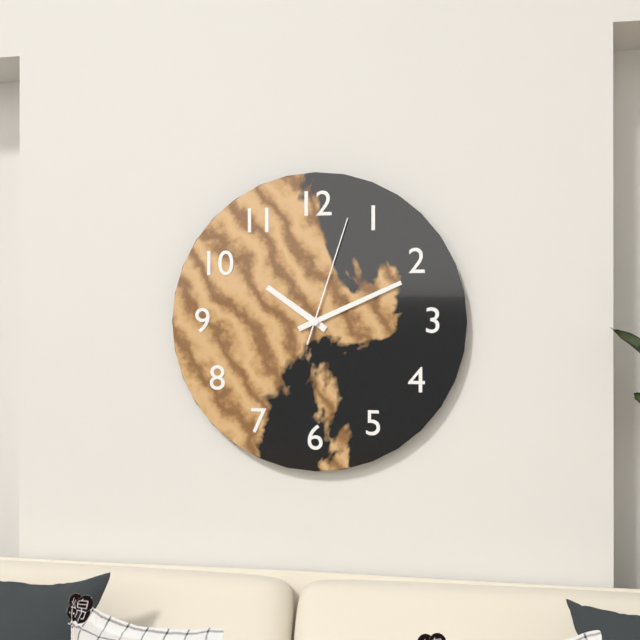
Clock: 10.11.03
